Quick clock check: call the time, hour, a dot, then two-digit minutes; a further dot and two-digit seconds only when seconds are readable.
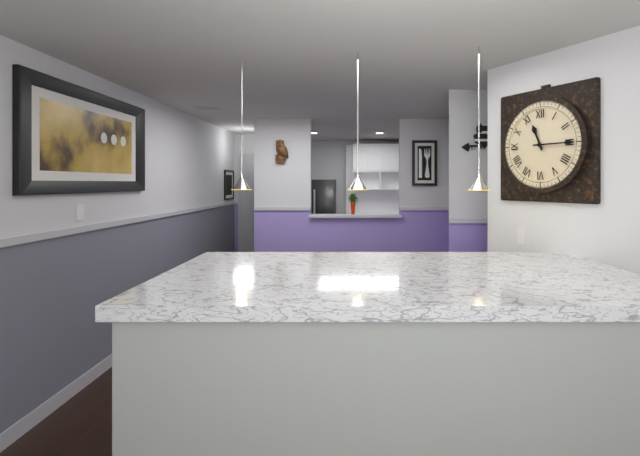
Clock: 11.15
